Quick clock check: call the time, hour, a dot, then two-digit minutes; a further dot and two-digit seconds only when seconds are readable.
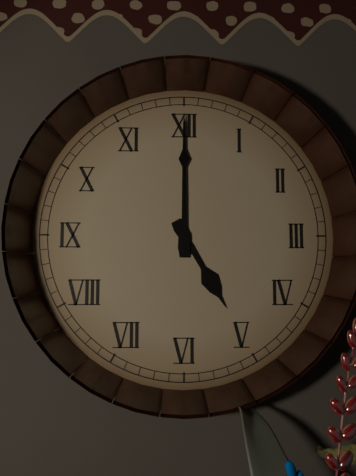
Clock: 5.00
